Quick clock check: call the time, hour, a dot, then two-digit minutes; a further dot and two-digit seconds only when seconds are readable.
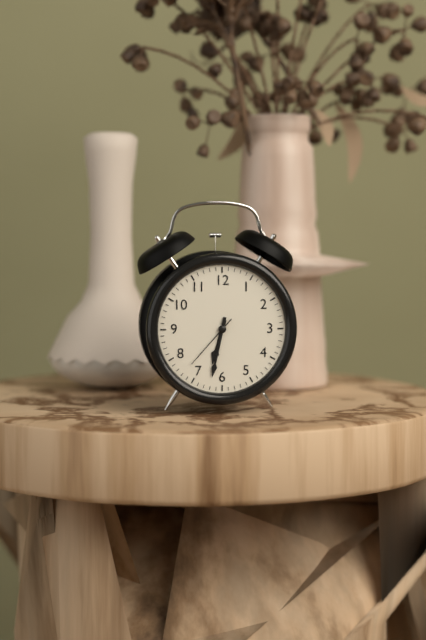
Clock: 6.32.37
